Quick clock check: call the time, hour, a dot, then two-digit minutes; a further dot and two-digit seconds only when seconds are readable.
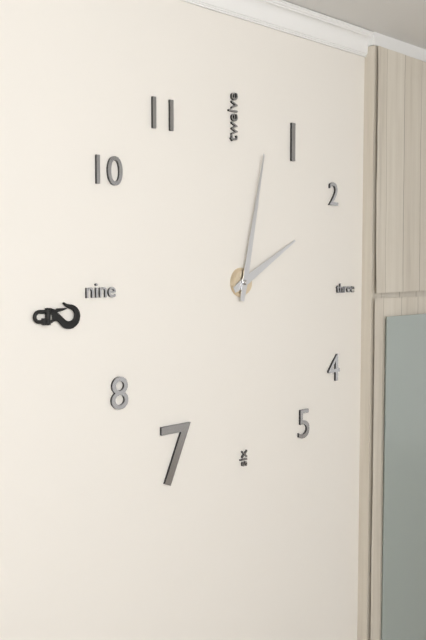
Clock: 2.02
